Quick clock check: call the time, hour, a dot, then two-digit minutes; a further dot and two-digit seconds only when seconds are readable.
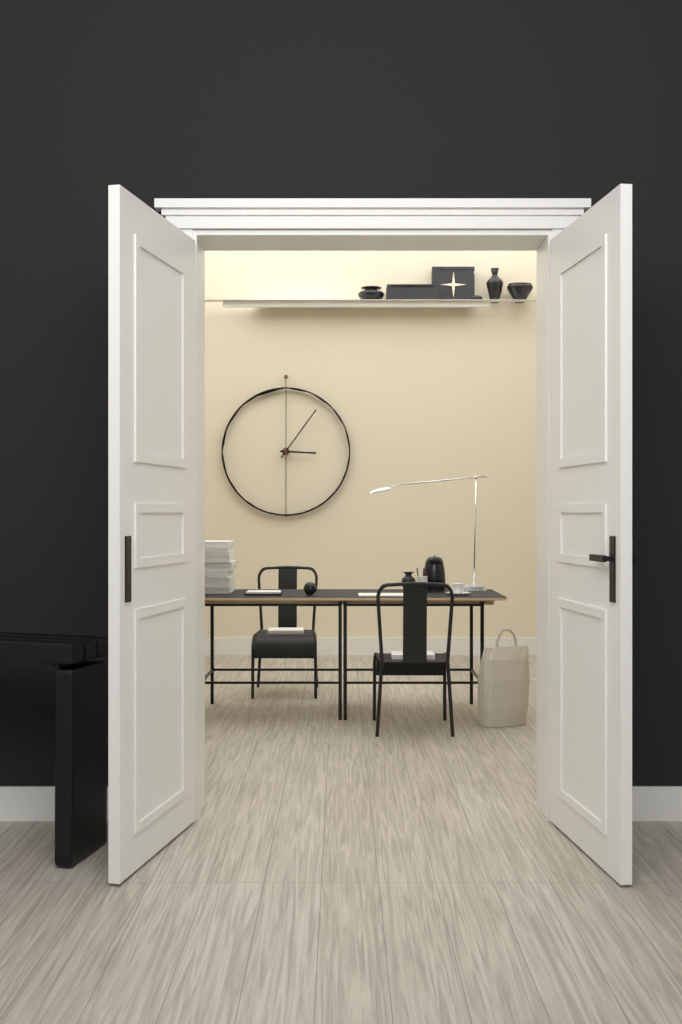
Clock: 3.06
